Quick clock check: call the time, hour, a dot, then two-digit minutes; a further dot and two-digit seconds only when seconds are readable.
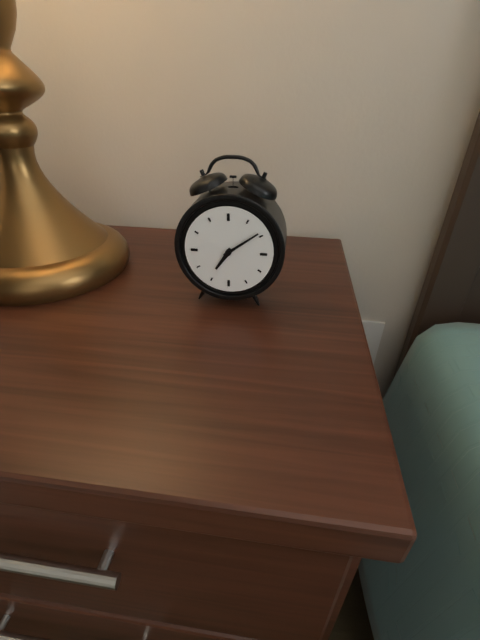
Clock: 7.09
